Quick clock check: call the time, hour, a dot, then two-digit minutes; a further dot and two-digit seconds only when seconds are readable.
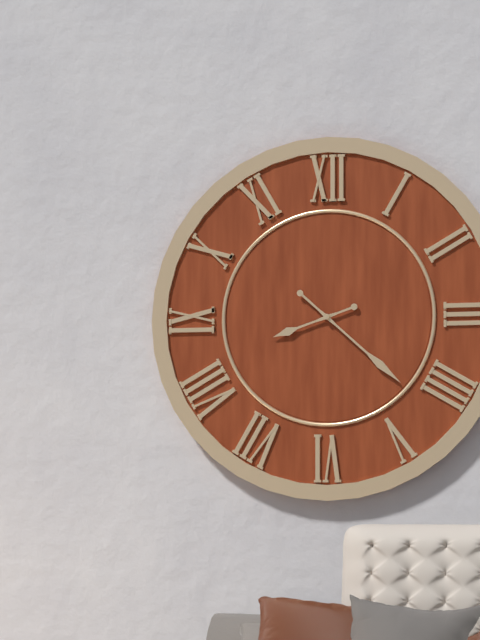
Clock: 8.22
